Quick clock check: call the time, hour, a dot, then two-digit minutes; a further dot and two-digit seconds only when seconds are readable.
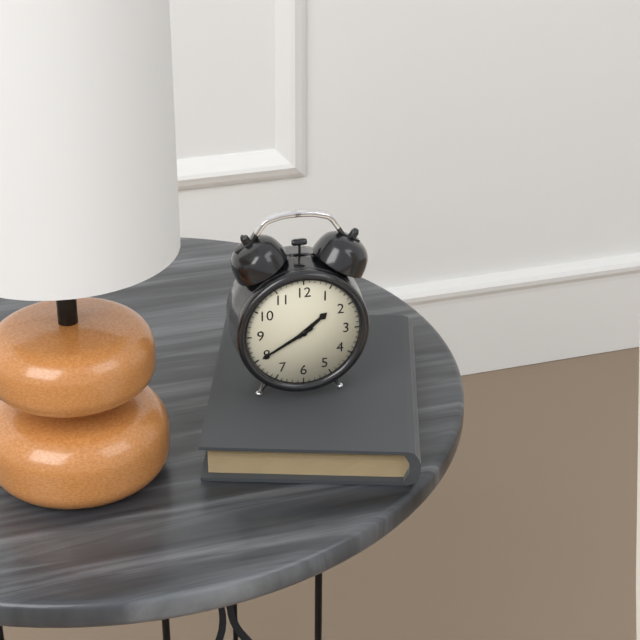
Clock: 1.40
